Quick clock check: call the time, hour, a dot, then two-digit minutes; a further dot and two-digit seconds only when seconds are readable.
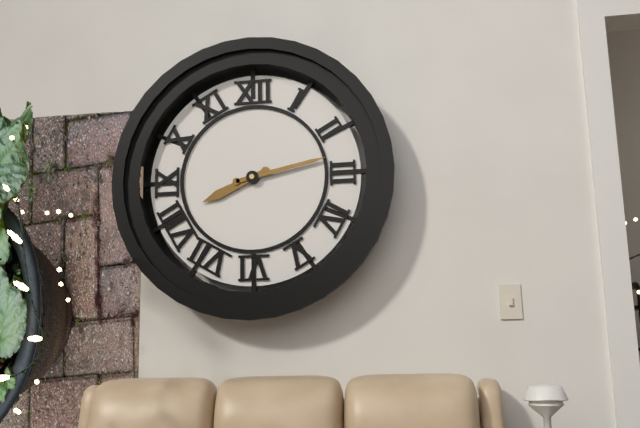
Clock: 8.13
